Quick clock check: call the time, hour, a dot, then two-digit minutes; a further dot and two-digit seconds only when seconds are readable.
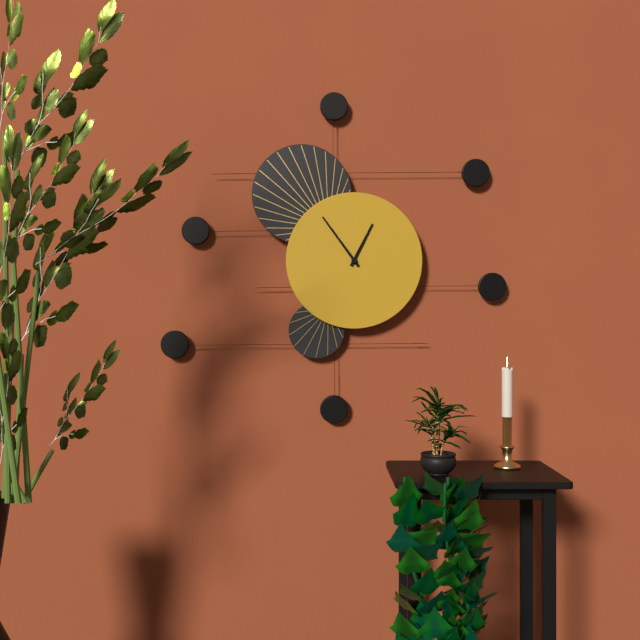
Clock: 12.54
